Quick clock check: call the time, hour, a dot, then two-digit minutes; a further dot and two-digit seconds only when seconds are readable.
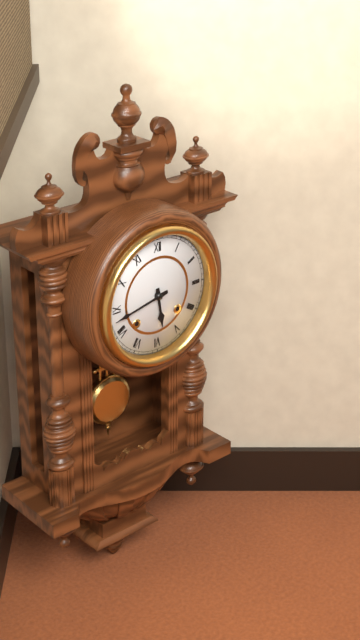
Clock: 5.43
